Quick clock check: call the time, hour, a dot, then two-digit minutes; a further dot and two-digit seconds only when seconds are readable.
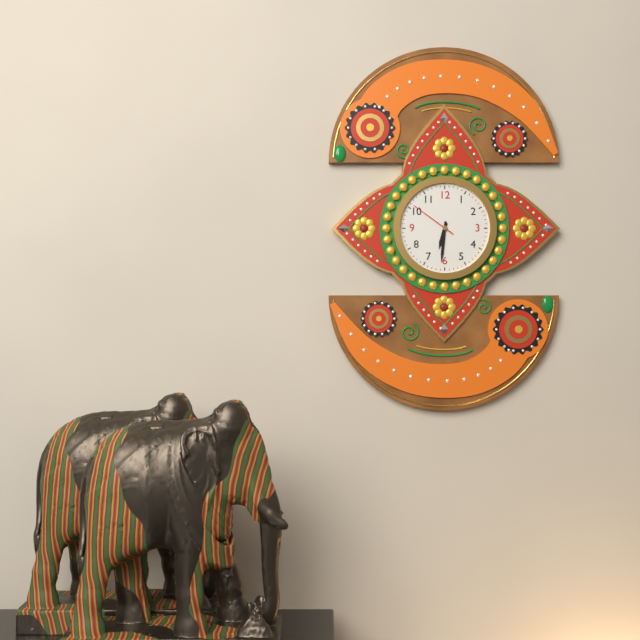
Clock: 6.31
